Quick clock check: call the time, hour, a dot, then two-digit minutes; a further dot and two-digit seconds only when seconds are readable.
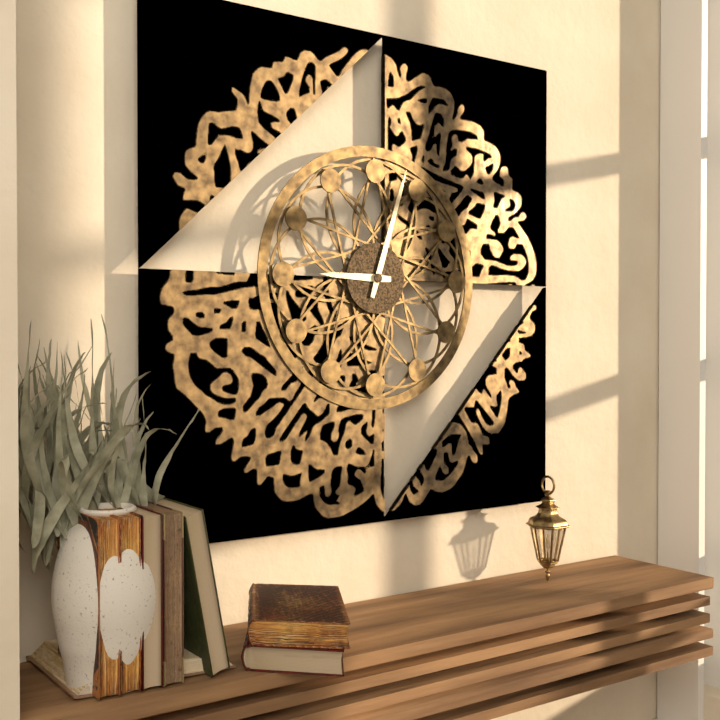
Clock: 9.03
